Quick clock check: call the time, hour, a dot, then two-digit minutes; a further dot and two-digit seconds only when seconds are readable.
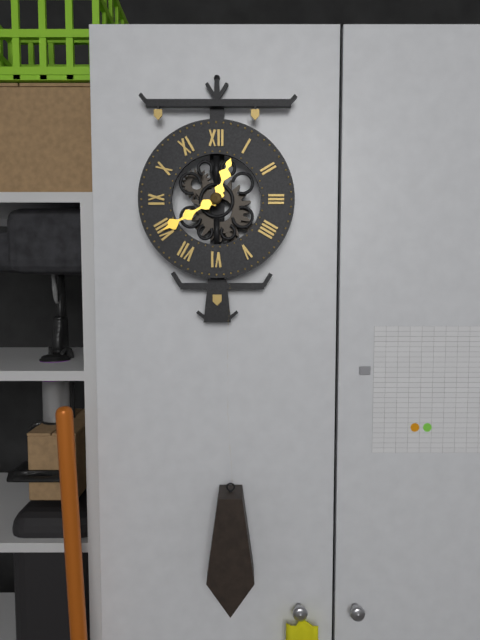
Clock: 12.40
